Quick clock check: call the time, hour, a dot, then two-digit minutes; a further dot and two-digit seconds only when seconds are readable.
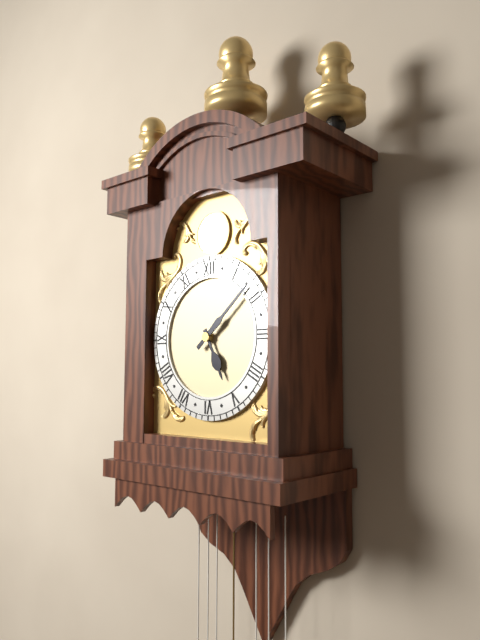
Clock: 5.08
